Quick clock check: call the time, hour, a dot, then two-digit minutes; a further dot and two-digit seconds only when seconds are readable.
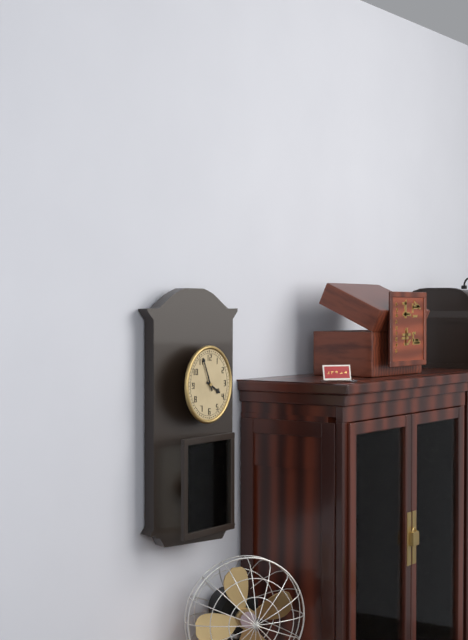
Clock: 3.56
